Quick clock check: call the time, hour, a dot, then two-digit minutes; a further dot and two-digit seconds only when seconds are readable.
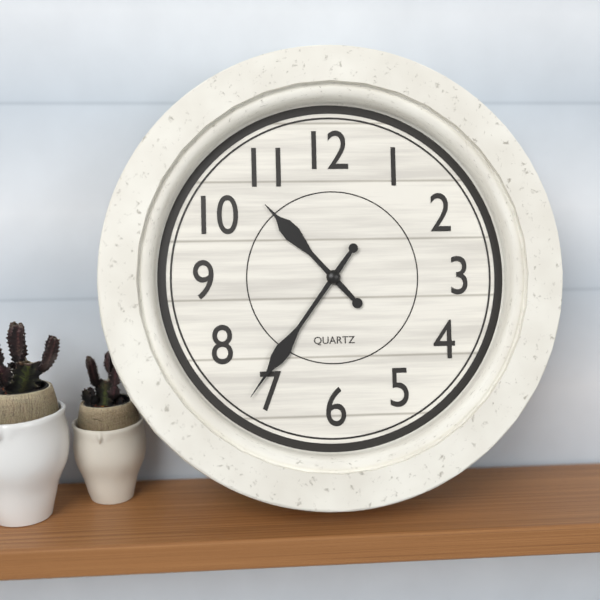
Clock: 10.36
